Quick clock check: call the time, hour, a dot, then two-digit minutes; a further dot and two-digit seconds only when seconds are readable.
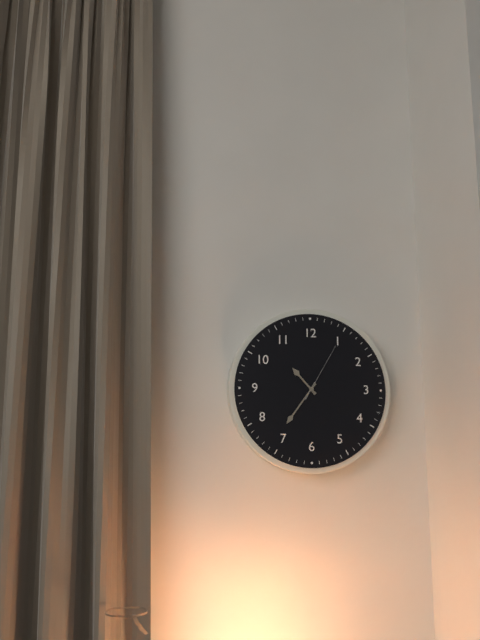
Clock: 10.36.05
